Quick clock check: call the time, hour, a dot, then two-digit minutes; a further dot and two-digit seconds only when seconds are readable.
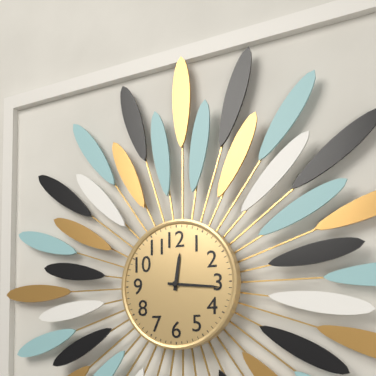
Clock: 12.16
